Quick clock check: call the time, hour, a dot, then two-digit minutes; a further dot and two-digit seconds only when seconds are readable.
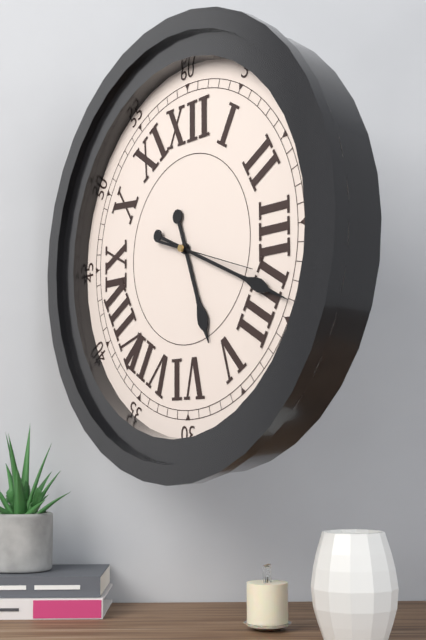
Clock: 5.19.18
